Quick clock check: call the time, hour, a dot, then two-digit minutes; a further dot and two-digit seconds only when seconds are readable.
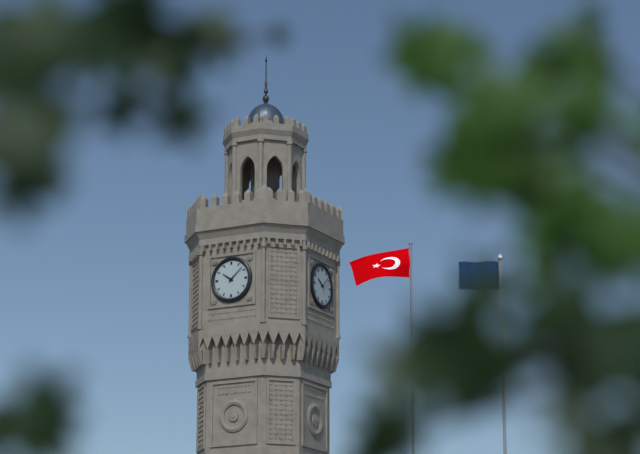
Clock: 10.08
